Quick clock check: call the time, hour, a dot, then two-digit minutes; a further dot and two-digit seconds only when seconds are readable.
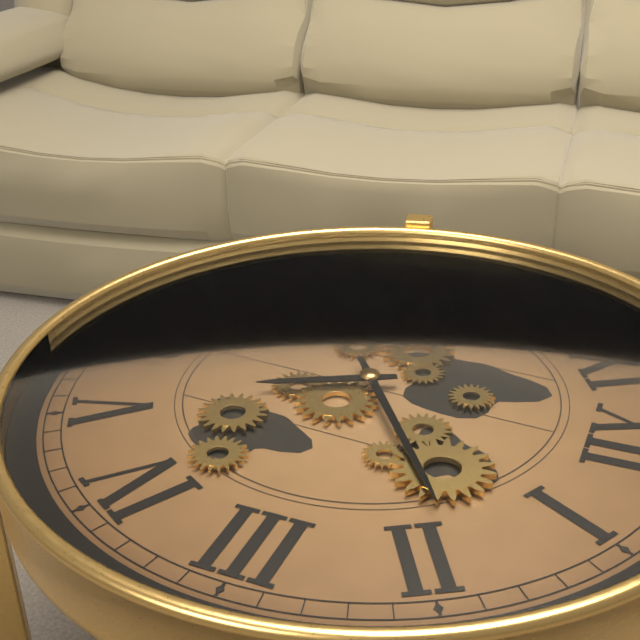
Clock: 5.09
